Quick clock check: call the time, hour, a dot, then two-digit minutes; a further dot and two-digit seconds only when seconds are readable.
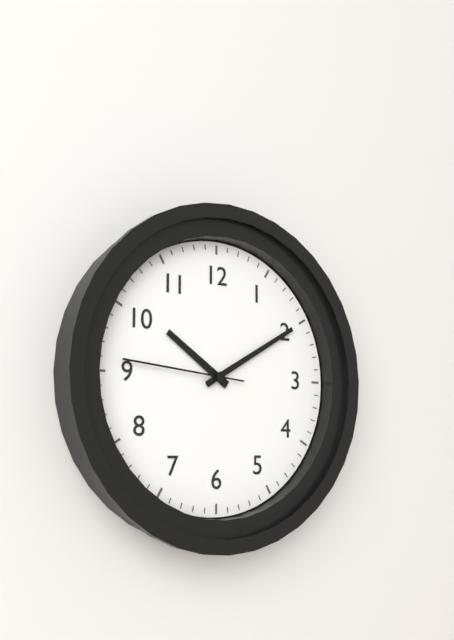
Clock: 10.10.46
